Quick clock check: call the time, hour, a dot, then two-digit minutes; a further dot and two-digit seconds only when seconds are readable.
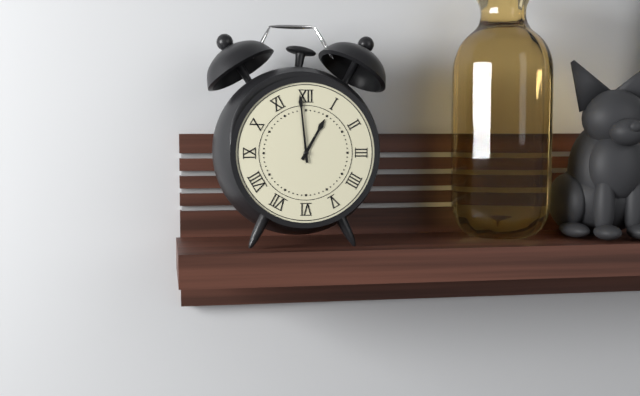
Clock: 12.59
